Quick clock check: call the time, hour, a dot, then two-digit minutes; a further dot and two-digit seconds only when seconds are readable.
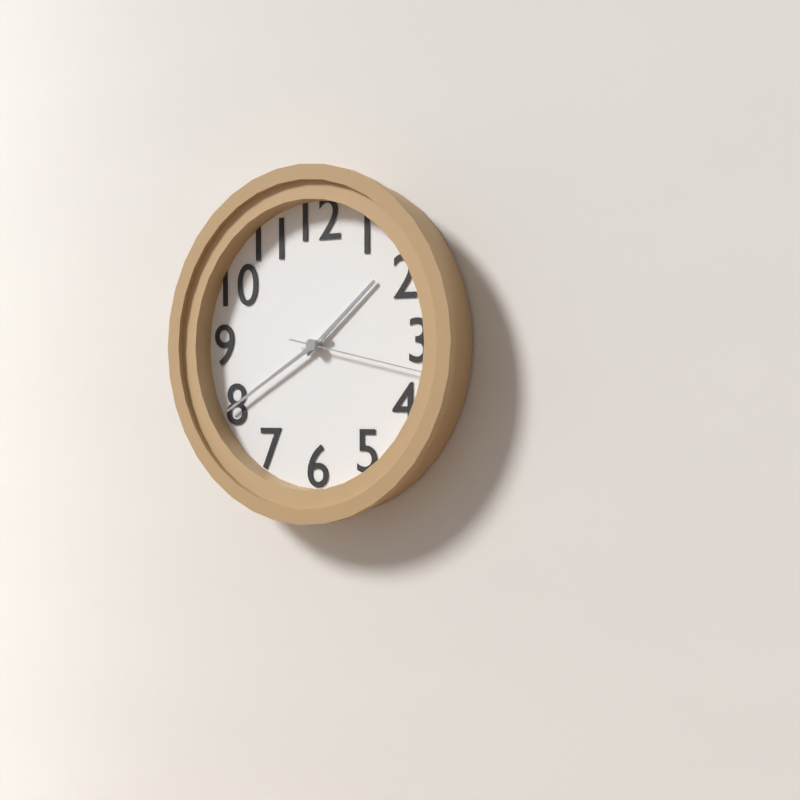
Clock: 1.40.17
